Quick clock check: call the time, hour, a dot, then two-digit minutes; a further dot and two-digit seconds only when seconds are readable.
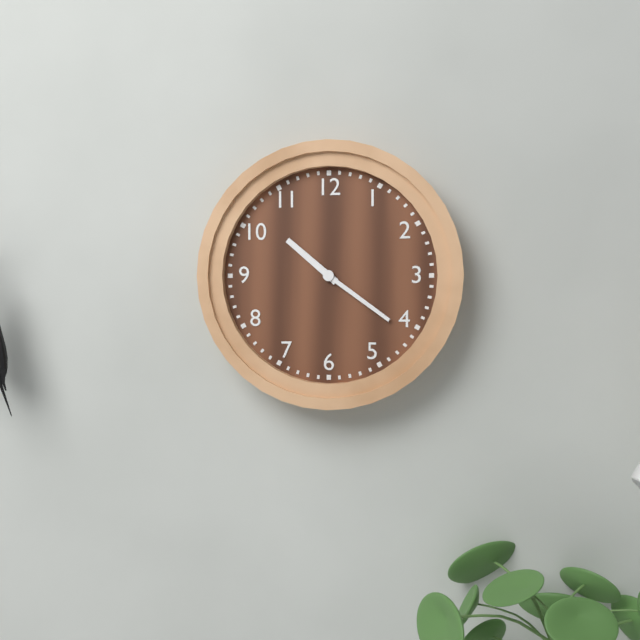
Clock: 10.21
